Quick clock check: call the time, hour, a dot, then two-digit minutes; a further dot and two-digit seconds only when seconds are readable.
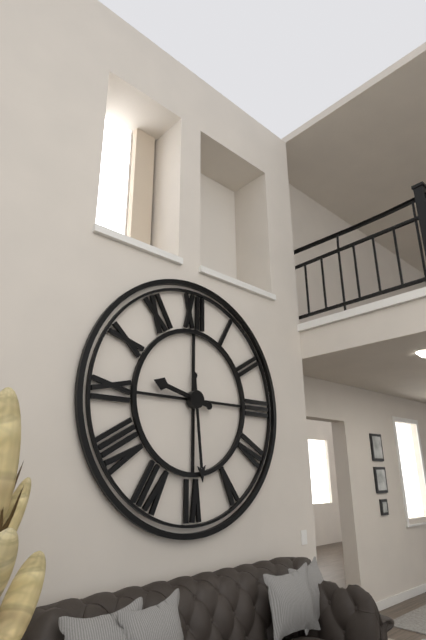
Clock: 9.29
